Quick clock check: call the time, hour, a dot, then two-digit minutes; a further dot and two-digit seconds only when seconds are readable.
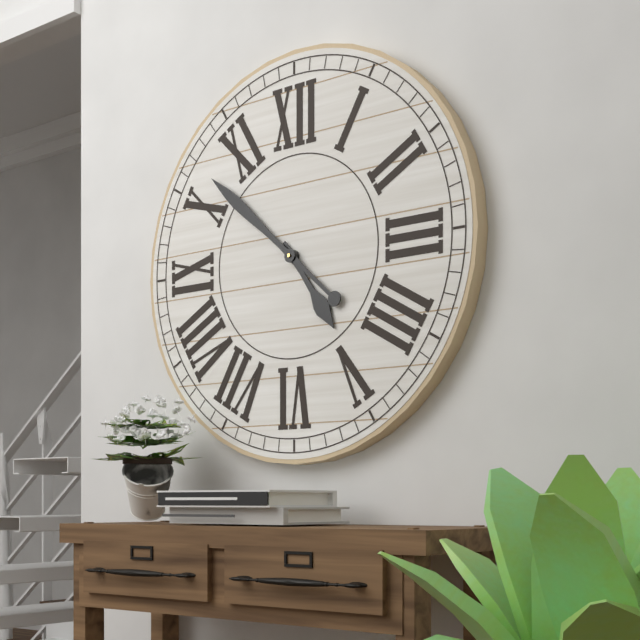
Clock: 4.52
